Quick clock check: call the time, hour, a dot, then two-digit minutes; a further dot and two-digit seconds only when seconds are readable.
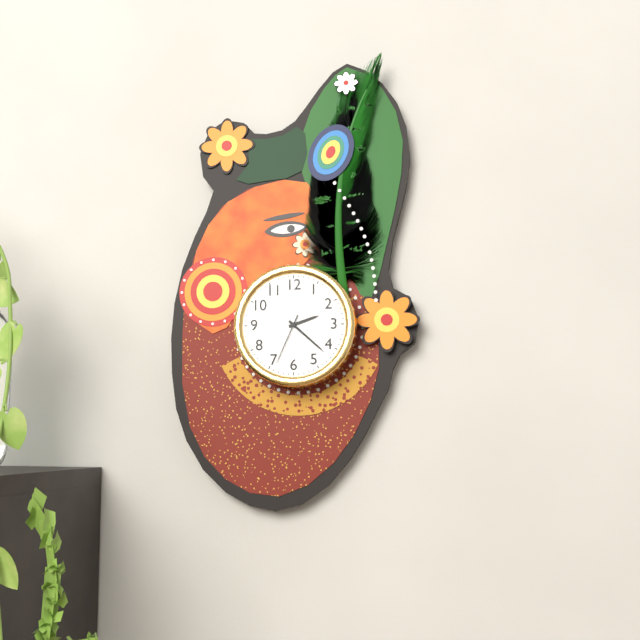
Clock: 2.22.34
